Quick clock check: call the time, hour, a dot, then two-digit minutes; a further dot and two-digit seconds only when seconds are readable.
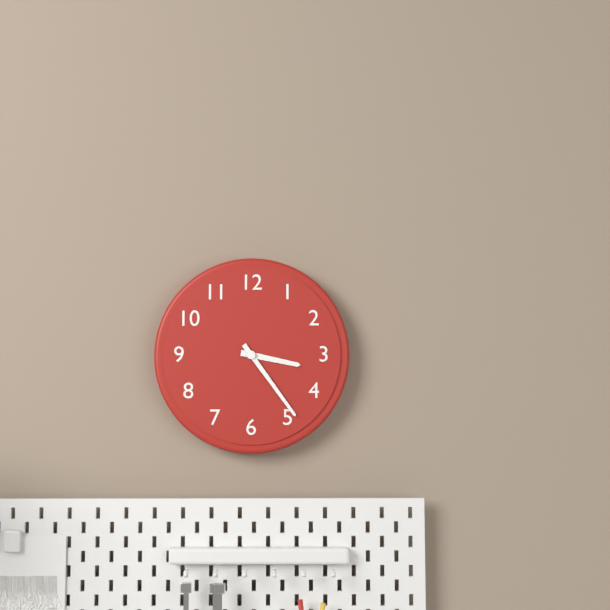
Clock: 3.24
